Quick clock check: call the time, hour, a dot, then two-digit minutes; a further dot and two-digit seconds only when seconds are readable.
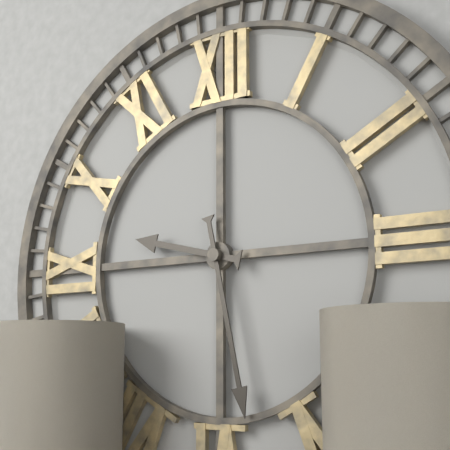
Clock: 9.28
